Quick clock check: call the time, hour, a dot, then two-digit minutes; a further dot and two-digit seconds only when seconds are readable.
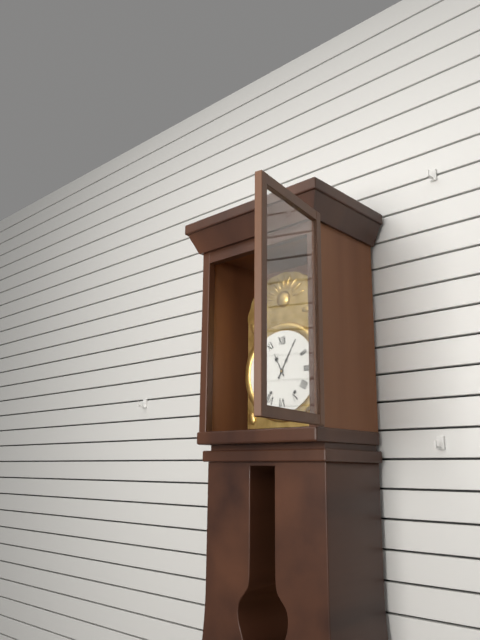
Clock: 11.05
